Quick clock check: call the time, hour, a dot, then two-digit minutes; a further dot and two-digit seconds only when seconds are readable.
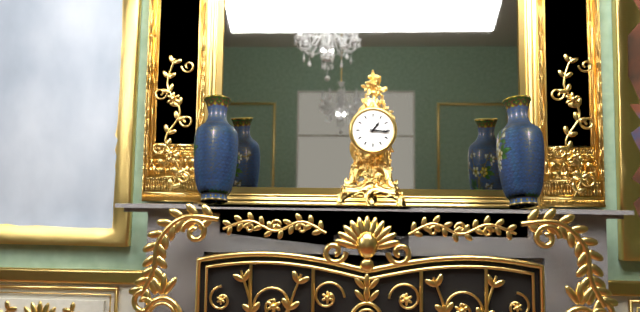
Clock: 1.16
